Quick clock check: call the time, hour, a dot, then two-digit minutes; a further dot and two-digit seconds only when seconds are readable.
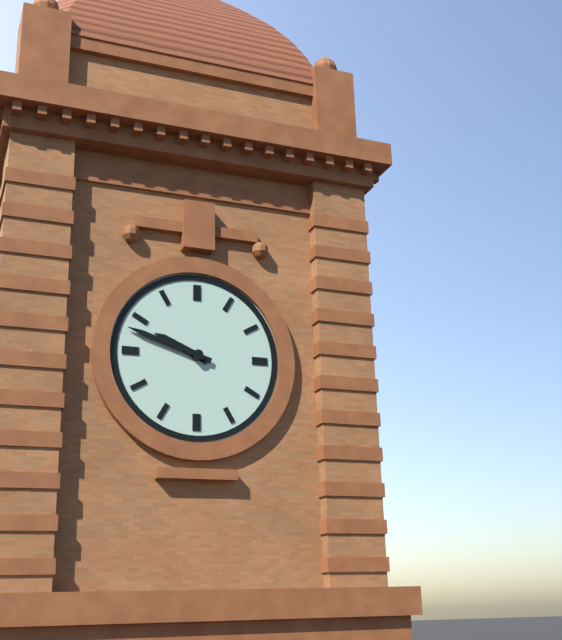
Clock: 9.48
